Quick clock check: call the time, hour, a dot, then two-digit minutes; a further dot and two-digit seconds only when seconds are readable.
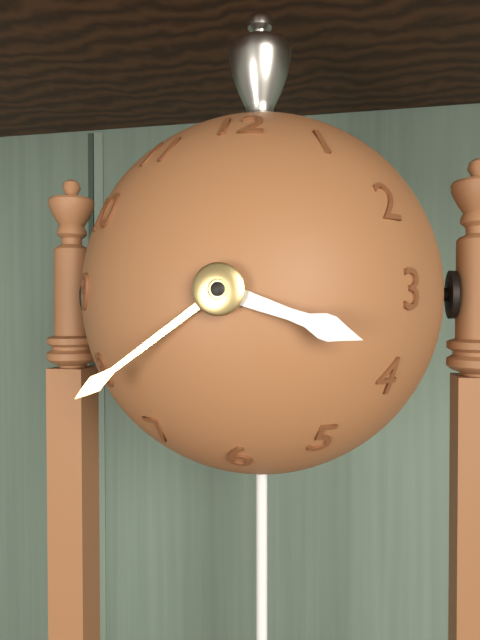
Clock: 3.39
